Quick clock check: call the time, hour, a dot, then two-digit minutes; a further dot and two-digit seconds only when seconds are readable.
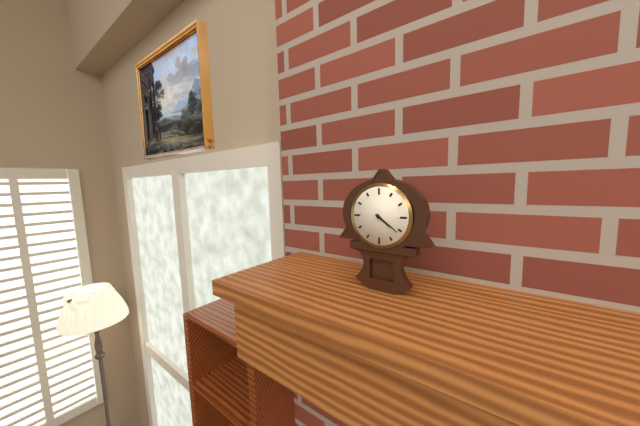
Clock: 4.21
